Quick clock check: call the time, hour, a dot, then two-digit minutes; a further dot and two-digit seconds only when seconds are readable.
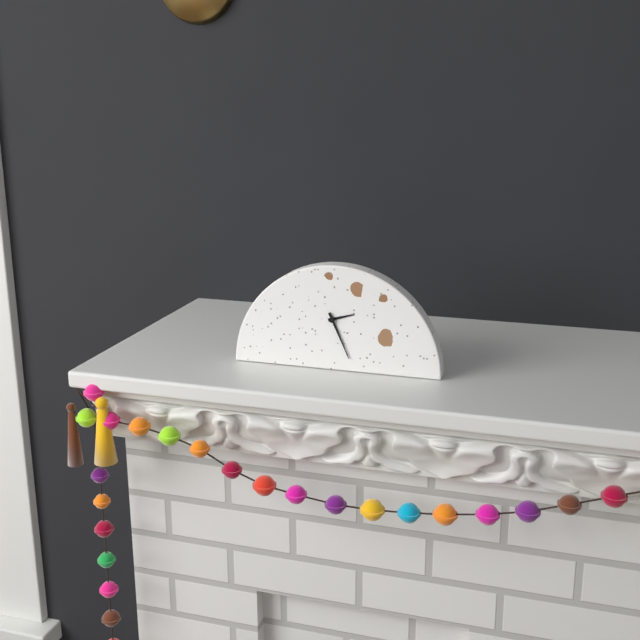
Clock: 2.26
